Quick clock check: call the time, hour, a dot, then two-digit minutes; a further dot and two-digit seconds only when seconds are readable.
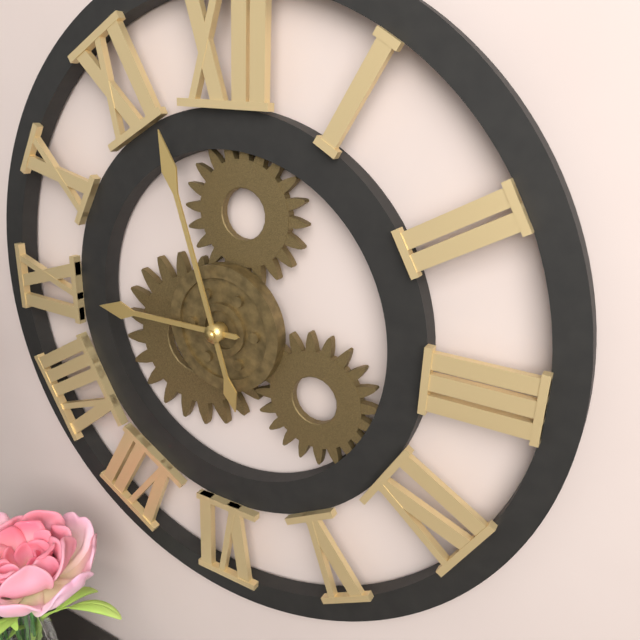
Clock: 8.57
